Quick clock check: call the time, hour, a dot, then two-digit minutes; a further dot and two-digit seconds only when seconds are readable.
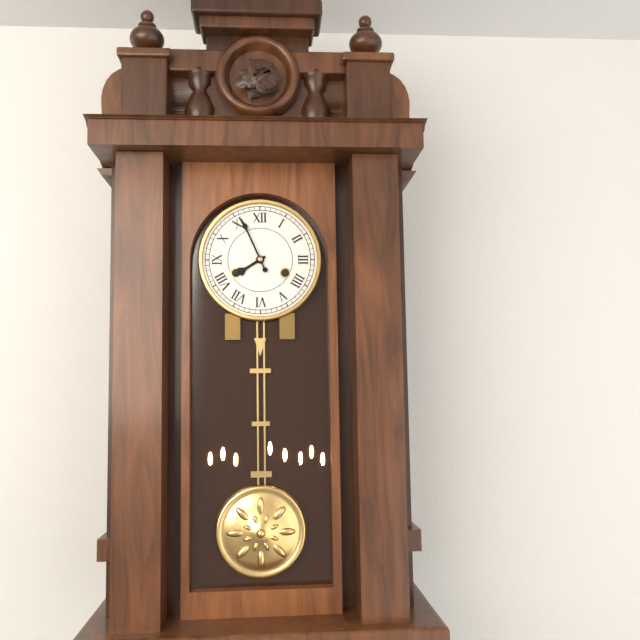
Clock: 7.56
